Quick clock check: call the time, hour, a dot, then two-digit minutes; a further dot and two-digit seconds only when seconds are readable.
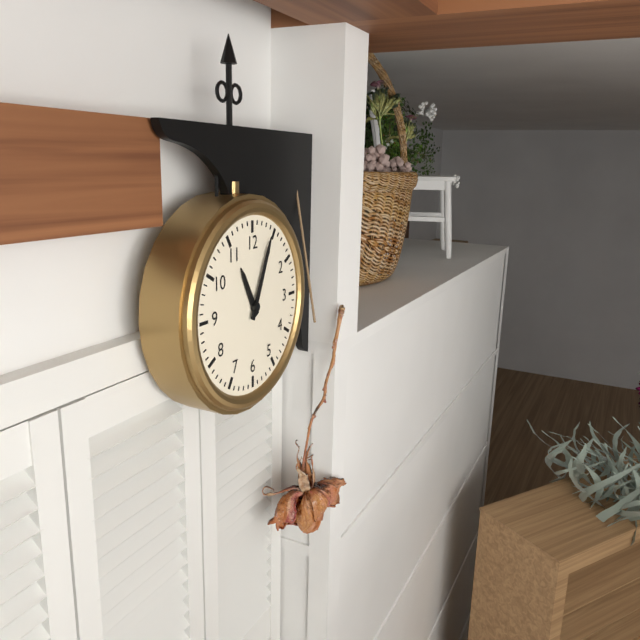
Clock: 11.04
